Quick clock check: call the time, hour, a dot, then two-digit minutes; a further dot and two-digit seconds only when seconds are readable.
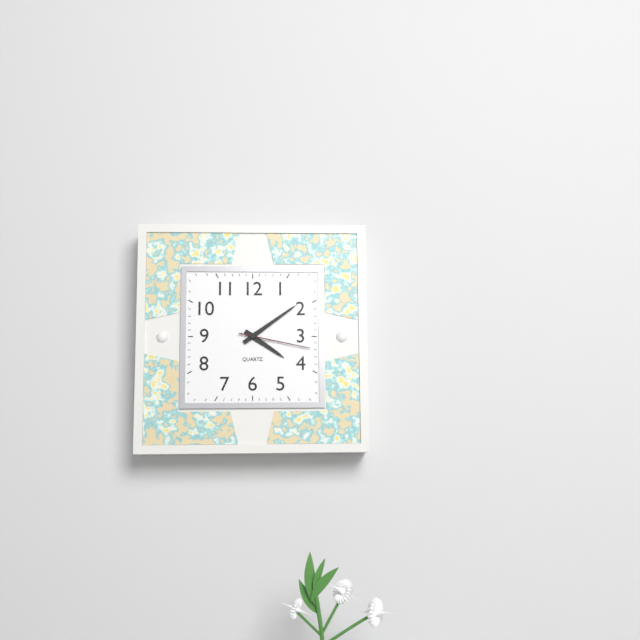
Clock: 4.09.17
